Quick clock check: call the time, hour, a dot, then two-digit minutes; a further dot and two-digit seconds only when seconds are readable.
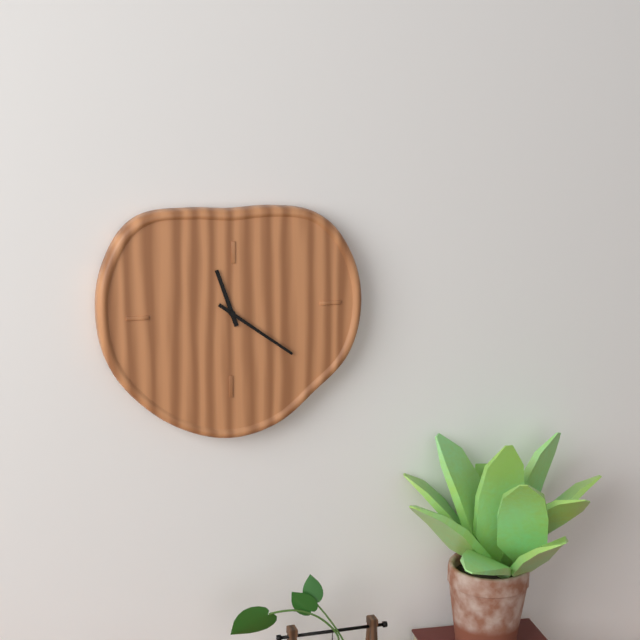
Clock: 11.21
